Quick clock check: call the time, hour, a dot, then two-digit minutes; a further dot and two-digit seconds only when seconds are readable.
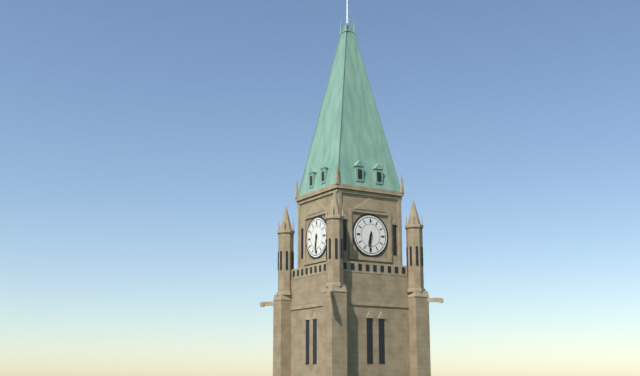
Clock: 6.31
